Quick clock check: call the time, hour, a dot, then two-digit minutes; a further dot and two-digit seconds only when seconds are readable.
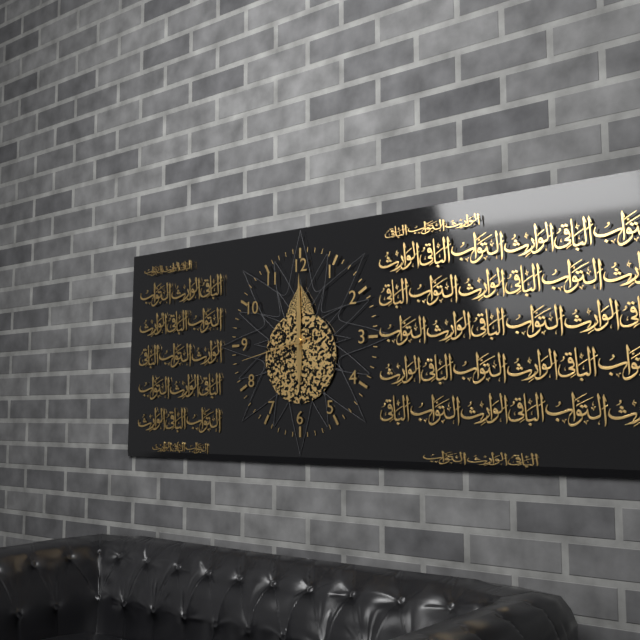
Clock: 6.00.43
